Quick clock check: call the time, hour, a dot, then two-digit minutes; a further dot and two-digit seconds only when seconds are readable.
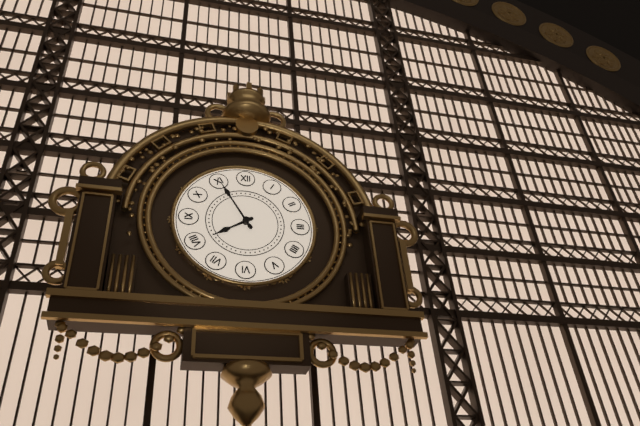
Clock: 7.55
